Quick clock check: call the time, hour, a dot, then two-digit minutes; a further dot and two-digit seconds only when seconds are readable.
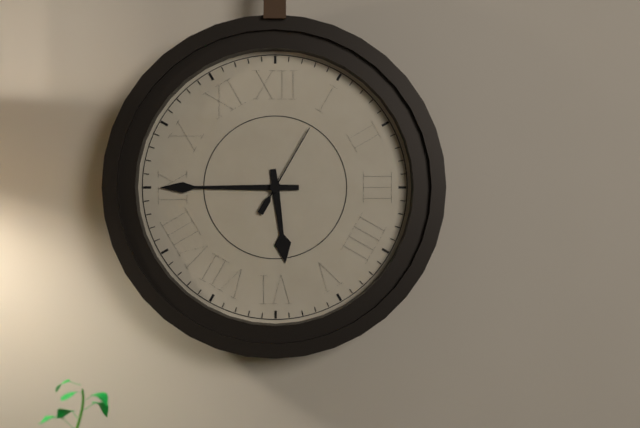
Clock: 5.45.05
